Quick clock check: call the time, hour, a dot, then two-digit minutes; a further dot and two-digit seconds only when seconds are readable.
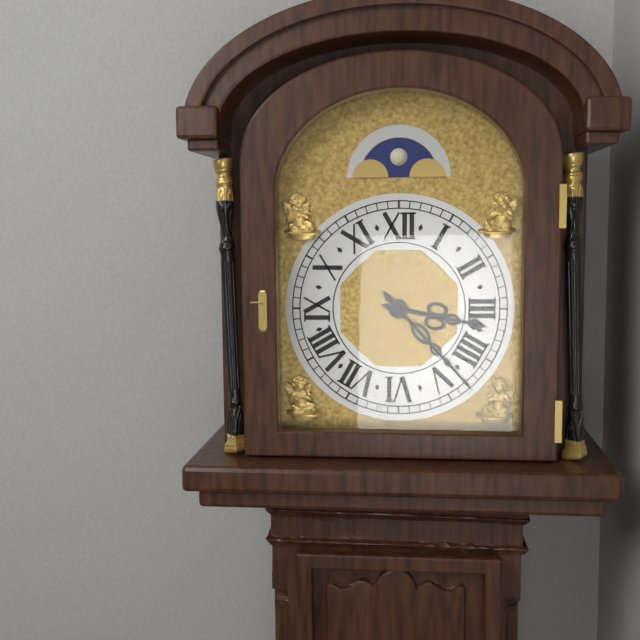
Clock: 3.23
